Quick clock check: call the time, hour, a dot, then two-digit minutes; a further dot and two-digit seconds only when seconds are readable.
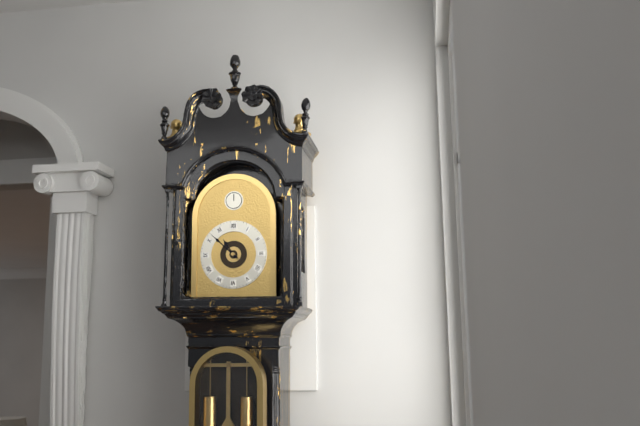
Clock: 10.52
